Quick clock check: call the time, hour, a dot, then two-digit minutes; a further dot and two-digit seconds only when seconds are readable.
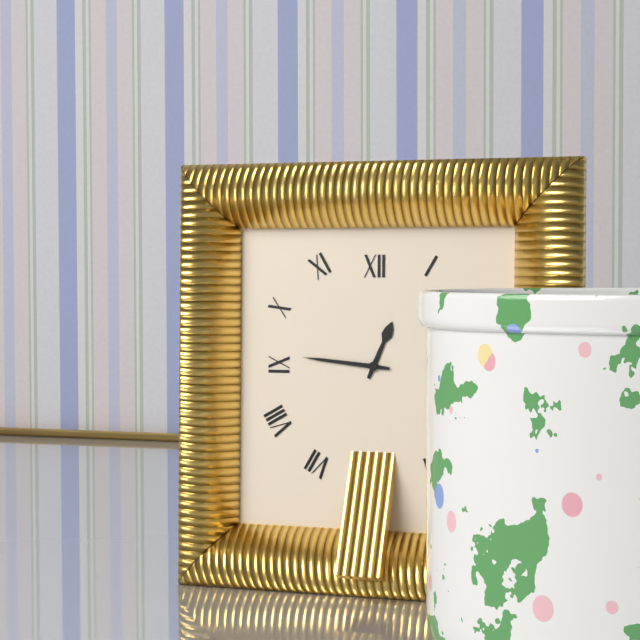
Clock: 12.46
